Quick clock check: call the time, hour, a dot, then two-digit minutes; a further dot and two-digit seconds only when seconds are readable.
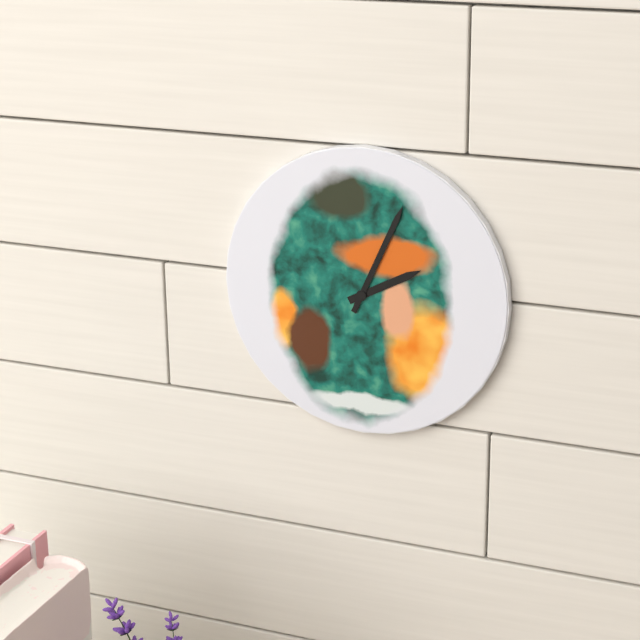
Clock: 2.04
